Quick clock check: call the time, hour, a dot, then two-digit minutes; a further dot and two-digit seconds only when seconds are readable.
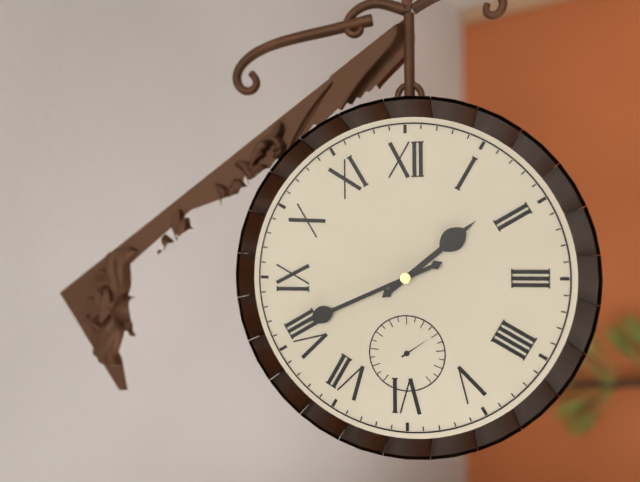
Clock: 1.41
